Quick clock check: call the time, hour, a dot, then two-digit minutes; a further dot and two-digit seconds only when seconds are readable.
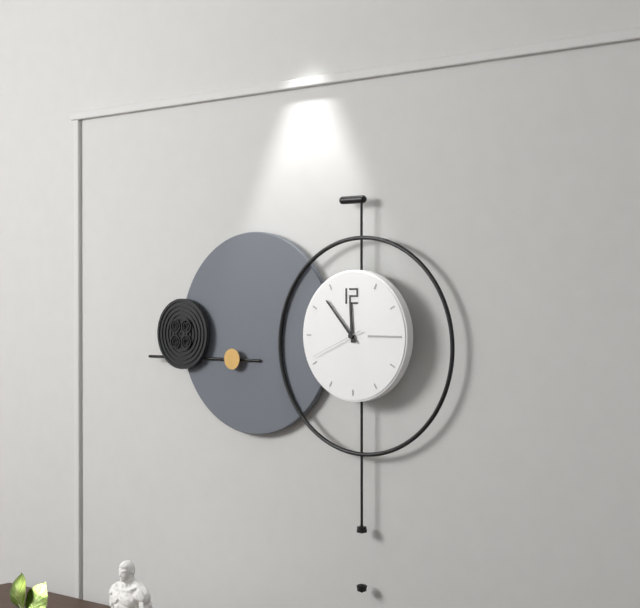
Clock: 11.53.41
